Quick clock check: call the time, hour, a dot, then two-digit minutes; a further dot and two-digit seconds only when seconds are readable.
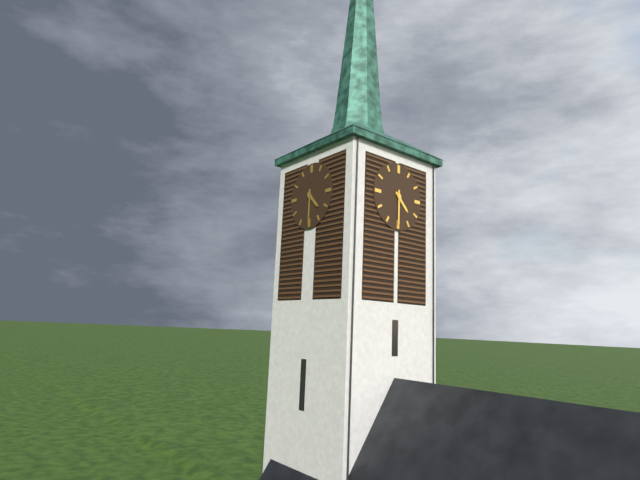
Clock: 4.30
